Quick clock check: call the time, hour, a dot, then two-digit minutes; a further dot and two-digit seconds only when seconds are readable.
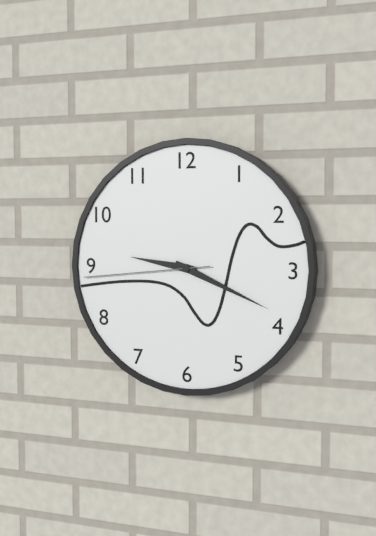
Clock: 9.19.44
